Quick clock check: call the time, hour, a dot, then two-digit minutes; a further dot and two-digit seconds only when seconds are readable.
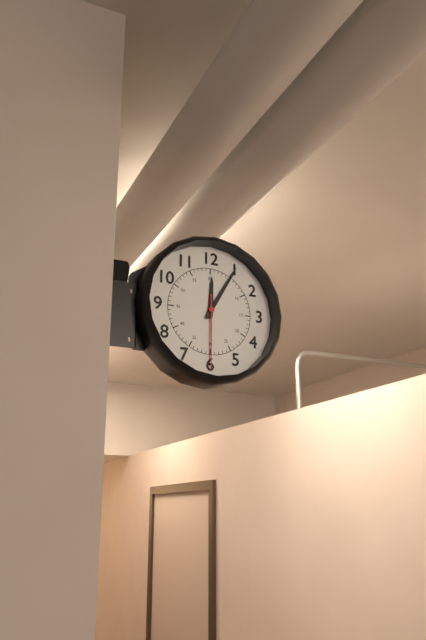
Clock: 12.05.30
